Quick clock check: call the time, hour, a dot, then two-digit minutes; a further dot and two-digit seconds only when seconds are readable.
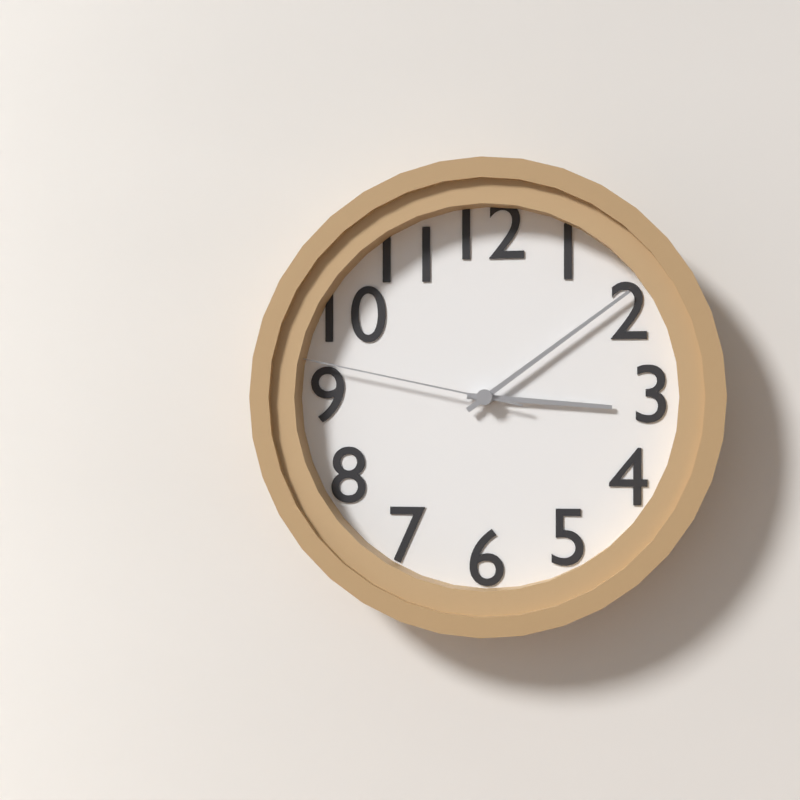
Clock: 3.09.47
